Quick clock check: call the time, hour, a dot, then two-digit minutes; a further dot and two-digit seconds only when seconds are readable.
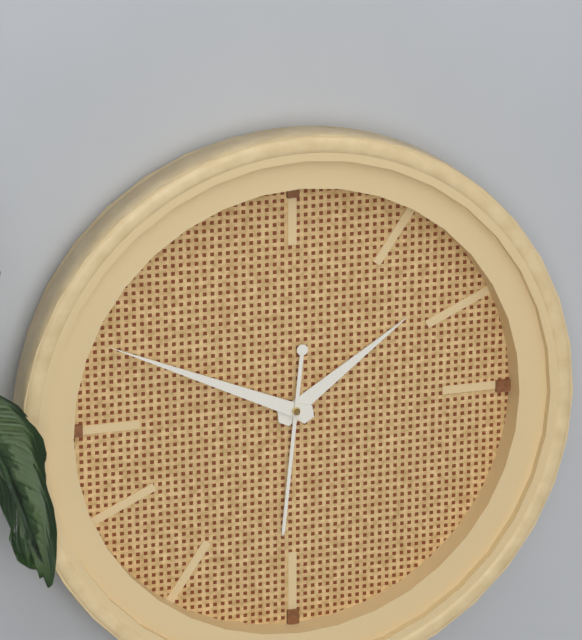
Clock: 1.49.31
